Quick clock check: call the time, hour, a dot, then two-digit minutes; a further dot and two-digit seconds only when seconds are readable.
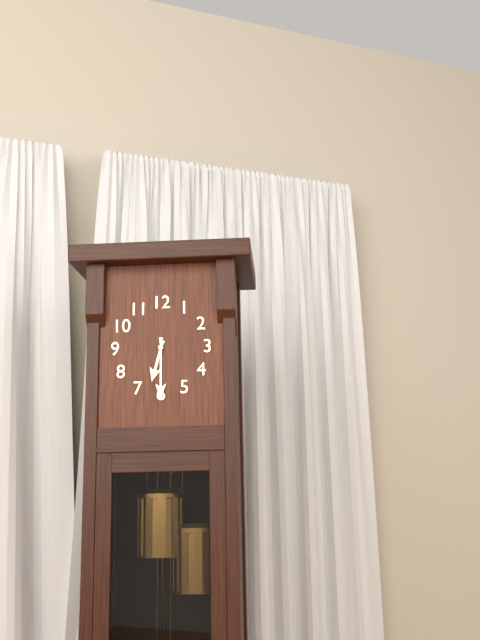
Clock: 6.30
